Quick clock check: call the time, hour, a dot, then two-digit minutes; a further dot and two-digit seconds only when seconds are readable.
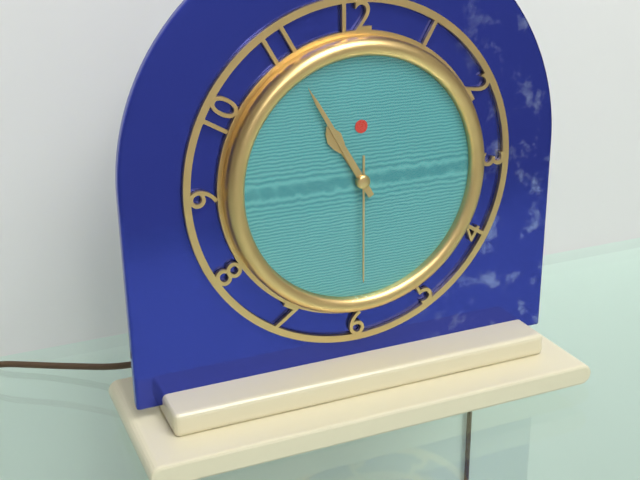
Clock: 10.55.30
